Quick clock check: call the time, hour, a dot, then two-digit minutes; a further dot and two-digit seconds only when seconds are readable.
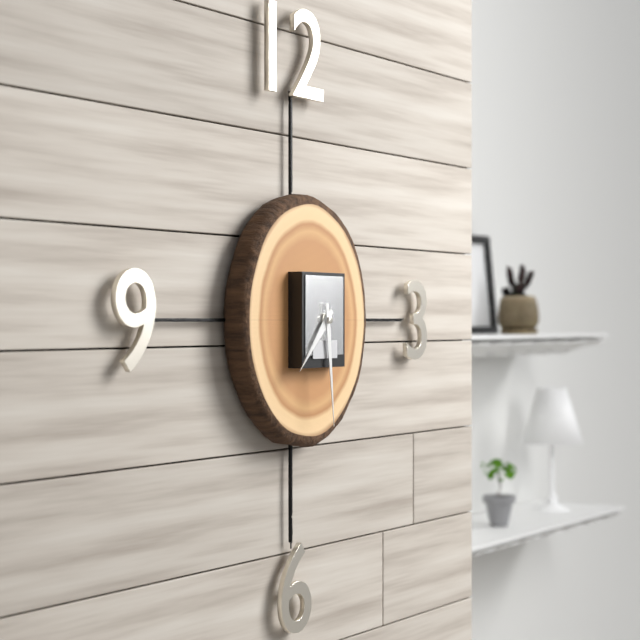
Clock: 7.29
